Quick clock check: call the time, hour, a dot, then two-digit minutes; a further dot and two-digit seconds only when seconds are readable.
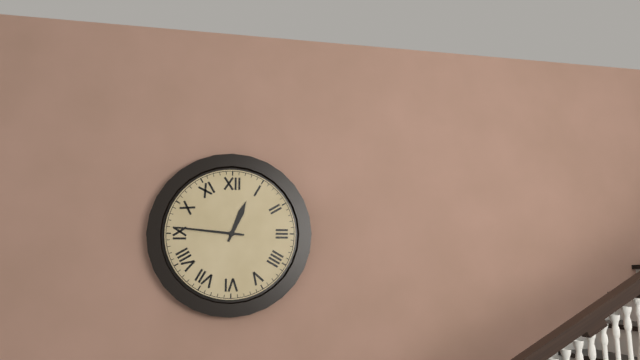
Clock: 12.46
